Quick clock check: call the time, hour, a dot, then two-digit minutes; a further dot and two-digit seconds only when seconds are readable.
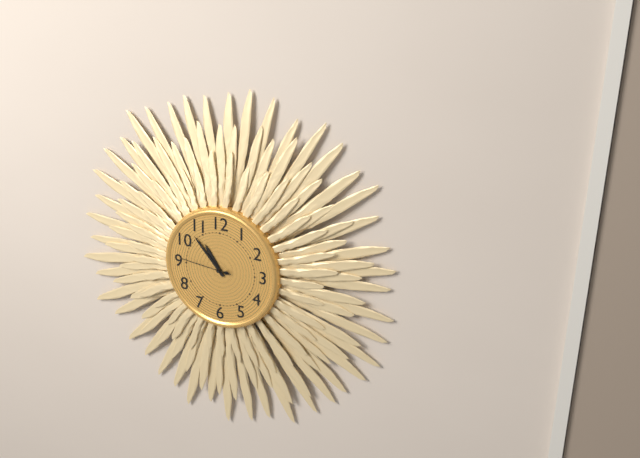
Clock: 10.53.46
